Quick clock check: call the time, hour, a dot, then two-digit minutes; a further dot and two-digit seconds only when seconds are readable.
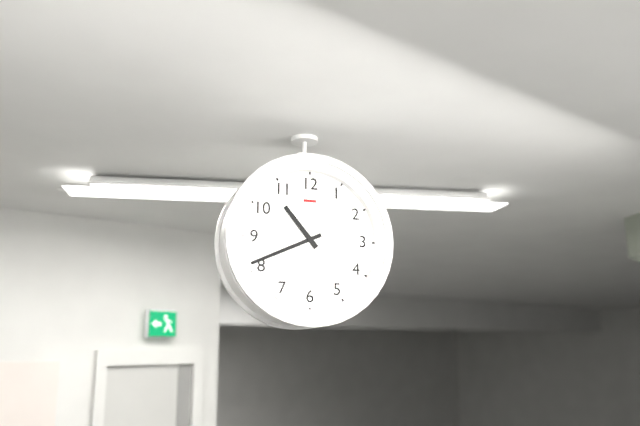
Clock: 10.41
